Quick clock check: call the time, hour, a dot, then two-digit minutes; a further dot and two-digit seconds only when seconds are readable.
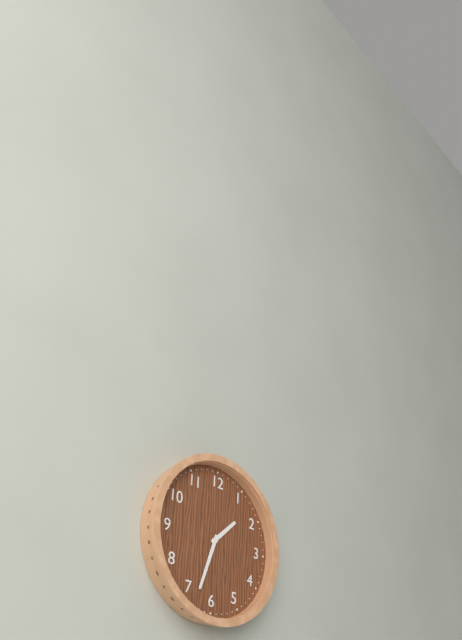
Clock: 1.33
